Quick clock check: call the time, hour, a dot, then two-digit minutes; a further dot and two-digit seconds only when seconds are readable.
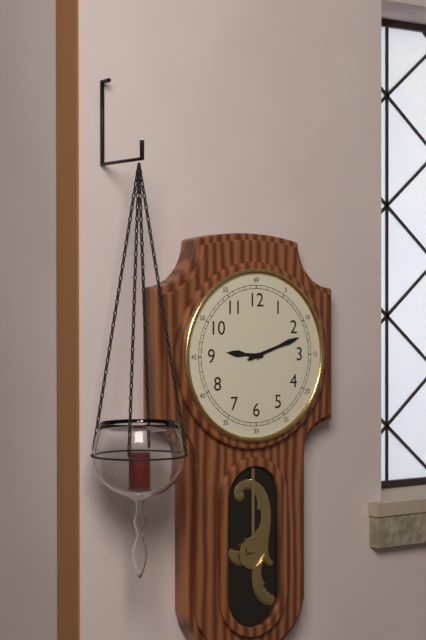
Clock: 9.12
